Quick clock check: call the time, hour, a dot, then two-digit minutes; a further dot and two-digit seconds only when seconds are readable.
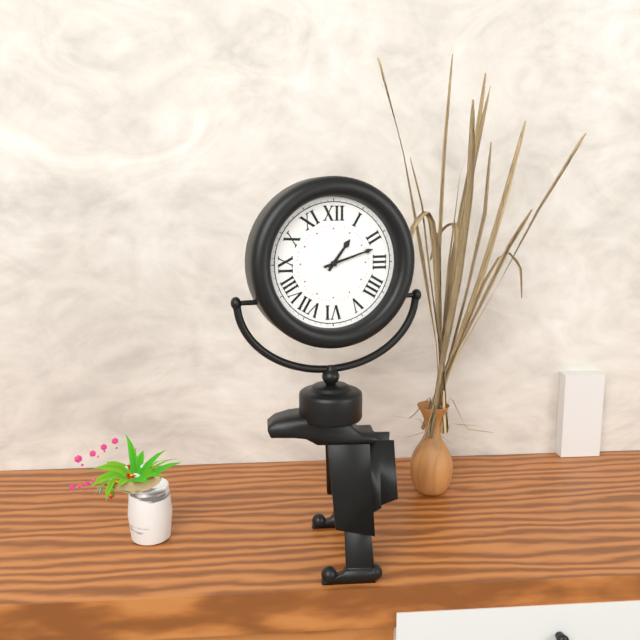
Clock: 1.12
